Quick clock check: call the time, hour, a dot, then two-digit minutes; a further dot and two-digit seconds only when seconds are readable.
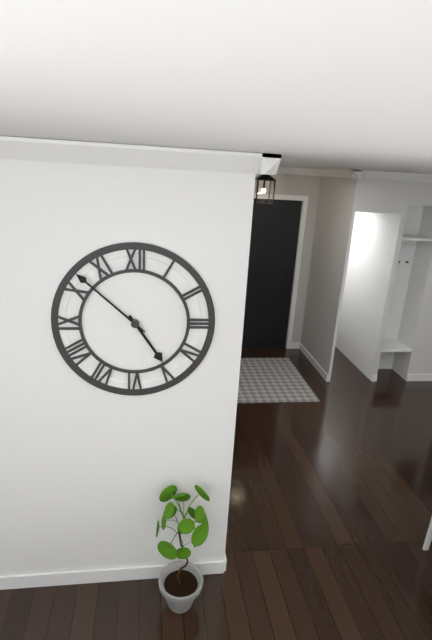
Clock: 4.52
